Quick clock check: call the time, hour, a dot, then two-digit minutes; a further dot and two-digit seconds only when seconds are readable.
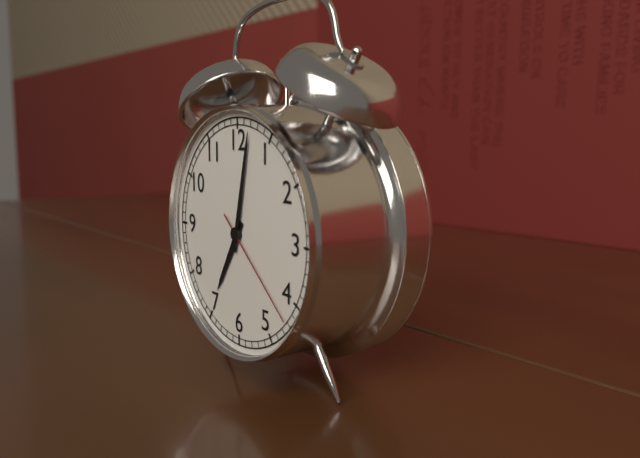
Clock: 7.02.22
